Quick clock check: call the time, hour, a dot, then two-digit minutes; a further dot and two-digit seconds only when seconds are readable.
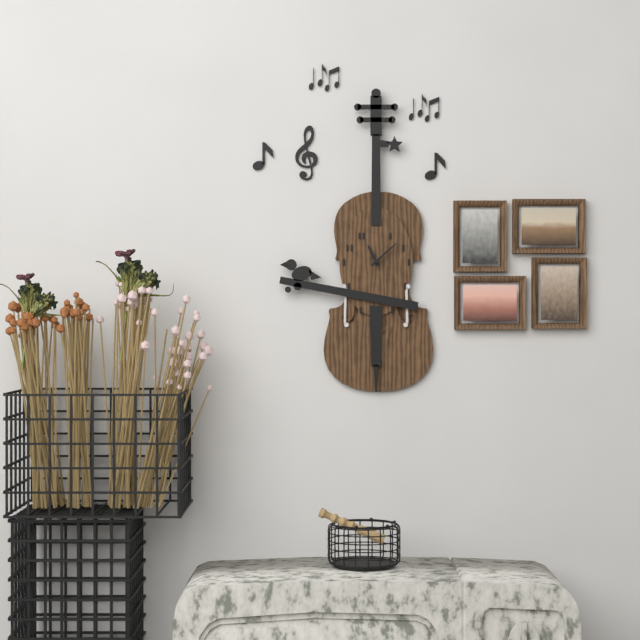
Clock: 11.08
